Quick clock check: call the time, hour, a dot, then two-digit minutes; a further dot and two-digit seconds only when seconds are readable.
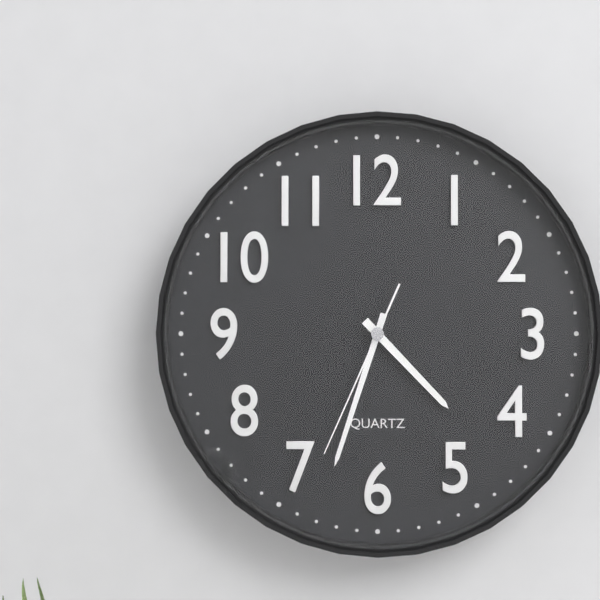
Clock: 4.33.34
